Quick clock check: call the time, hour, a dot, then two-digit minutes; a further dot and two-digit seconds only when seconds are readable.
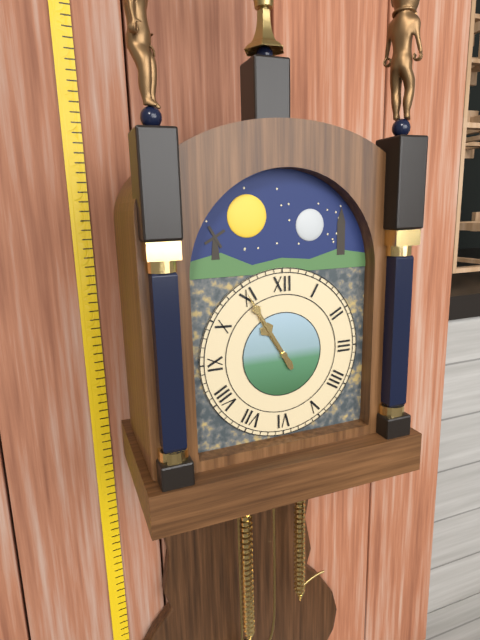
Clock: 10.55
